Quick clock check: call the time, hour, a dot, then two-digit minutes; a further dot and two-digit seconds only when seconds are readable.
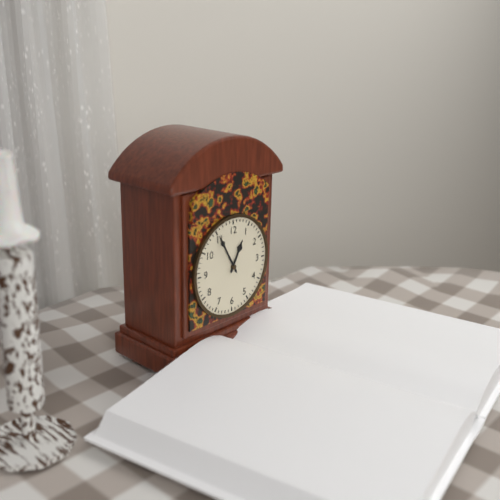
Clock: 12.55
